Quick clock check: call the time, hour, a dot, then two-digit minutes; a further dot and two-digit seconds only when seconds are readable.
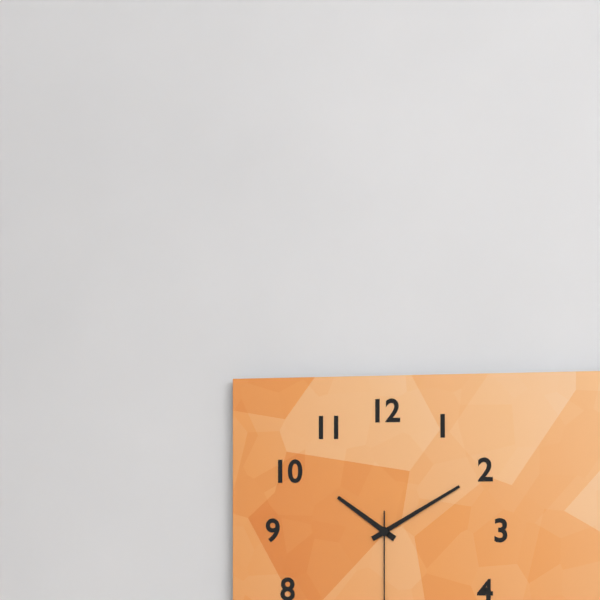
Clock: 10.10
